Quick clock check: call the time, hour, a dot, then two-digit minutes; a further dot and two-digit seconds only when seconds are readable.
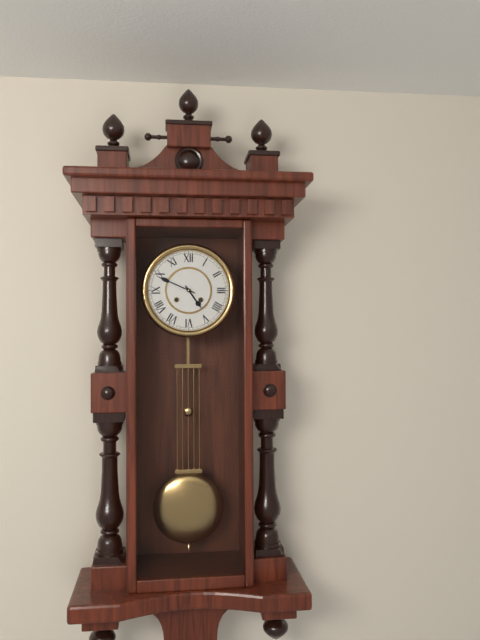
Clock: 4.49
